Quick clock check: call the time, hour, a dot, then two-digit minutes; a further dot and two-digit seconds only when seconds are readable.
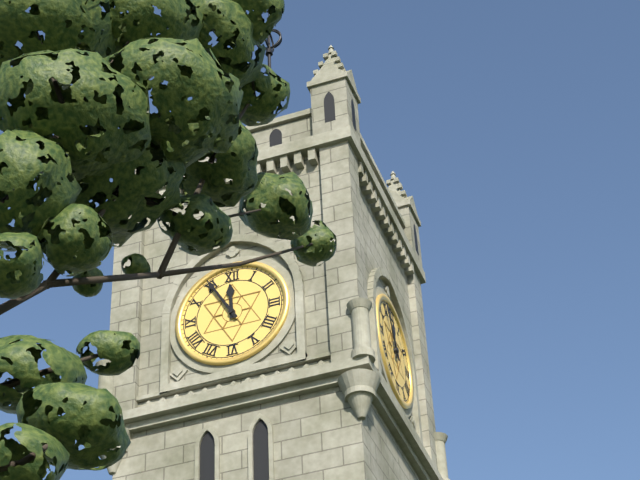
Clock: 11.55
